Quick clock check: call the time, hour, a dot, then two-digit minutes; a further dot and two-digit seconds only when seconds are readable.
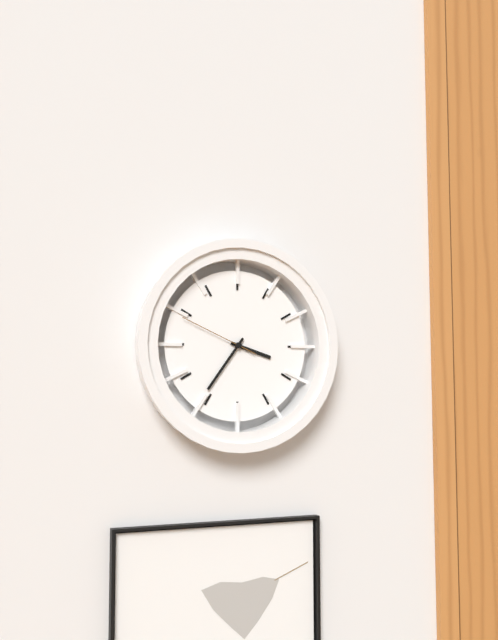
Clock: 3.36.49
